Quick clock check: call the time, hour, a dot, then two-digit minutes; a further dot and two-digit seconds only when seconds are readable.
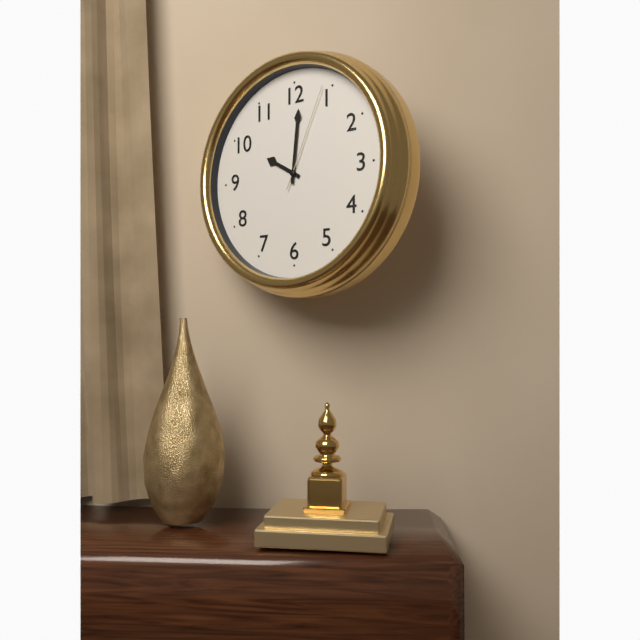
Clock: 10.01.04
